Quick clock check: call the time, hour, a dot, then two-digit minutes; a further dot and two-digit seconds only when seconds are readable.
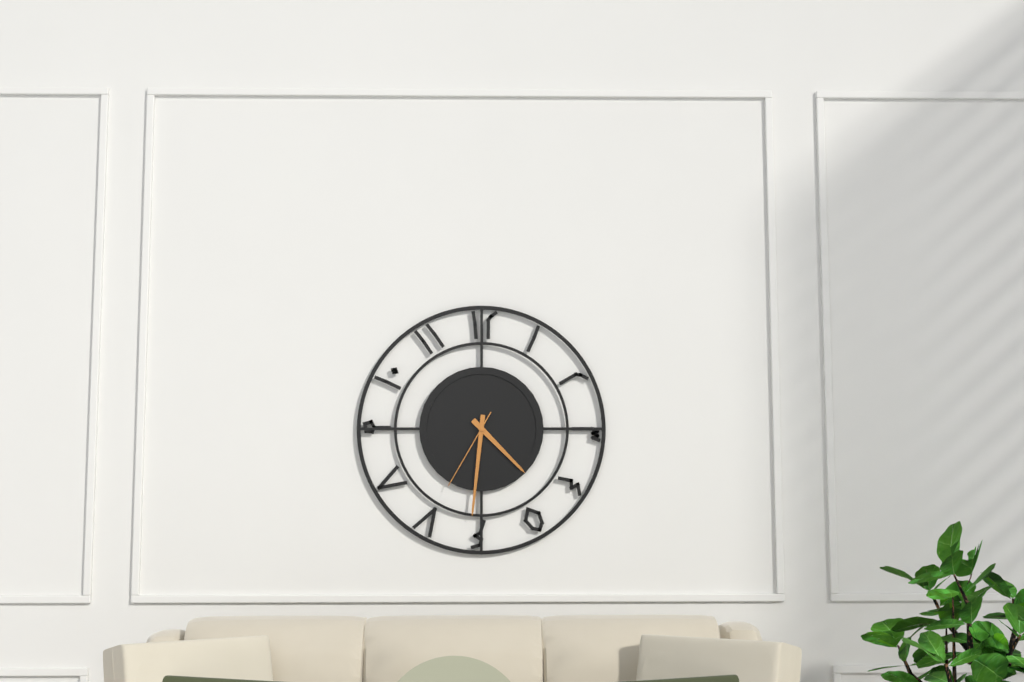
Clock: 4.31.35
